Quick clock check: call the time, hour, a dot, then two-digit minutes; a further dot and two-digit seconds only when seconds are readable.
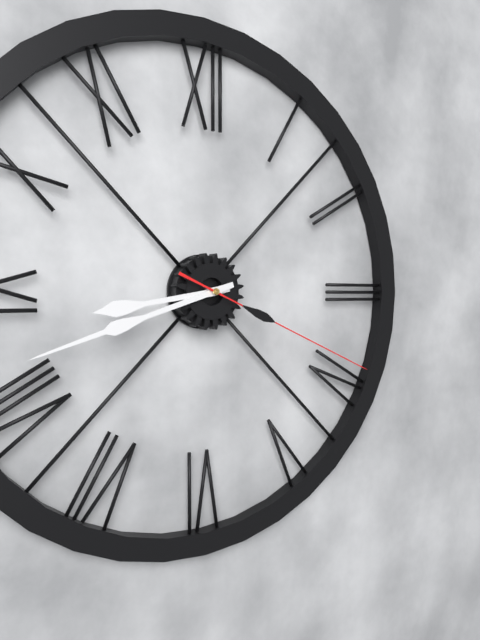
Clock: 8.42.19
